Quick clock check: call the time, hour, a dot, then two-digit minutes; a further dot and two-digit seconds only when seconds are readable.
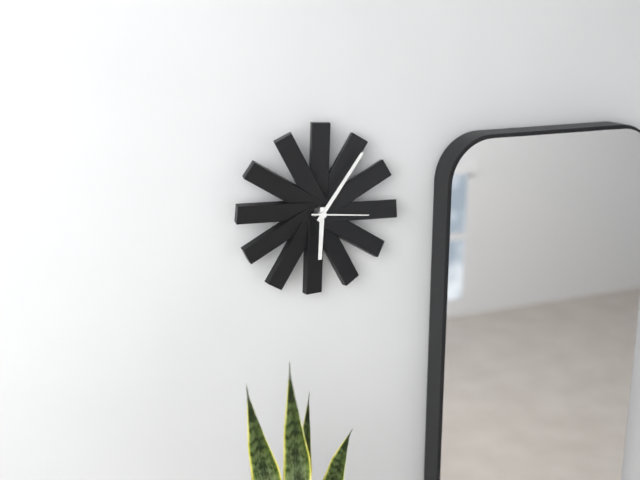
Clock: 6.06.16
